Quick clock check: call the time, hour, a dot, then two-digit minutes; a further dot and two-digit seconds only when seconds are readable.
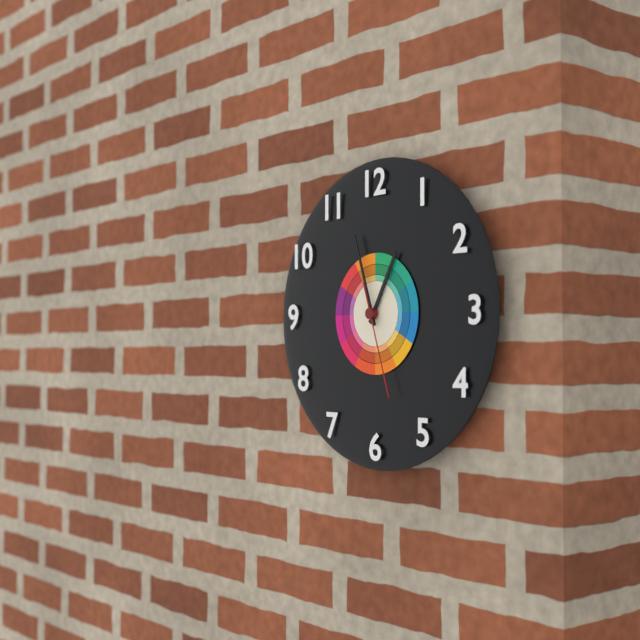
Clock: 12.57.27
